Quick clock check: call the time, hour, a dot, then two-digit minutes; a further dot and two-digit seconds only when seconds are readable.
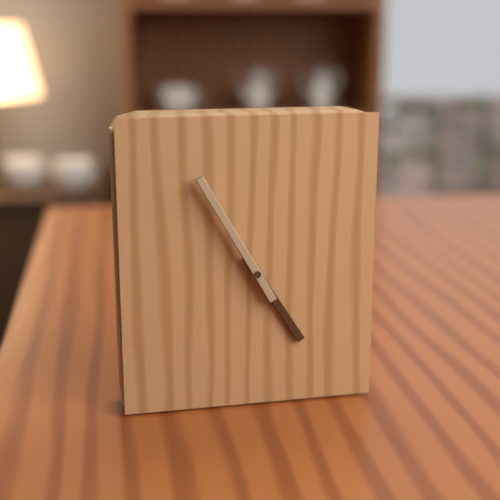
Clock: 4.55
